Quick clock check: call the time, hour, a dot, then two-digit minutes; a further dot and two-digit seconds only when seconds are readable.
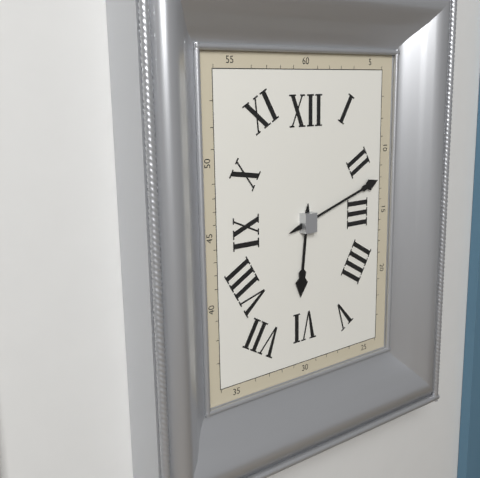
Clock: 6.12
